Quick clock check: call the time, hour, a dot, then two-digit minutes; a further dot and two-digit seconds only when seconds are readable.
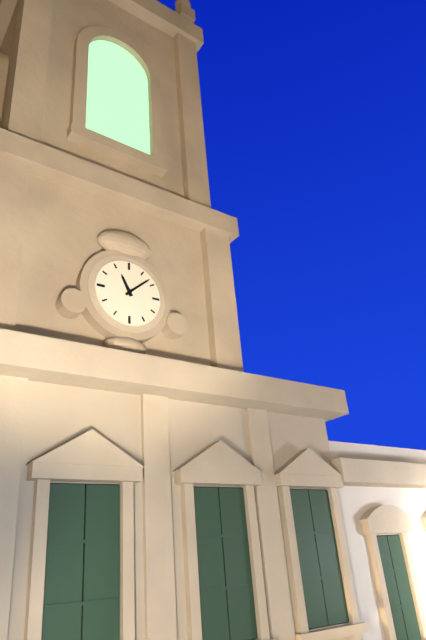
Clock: 11.08
